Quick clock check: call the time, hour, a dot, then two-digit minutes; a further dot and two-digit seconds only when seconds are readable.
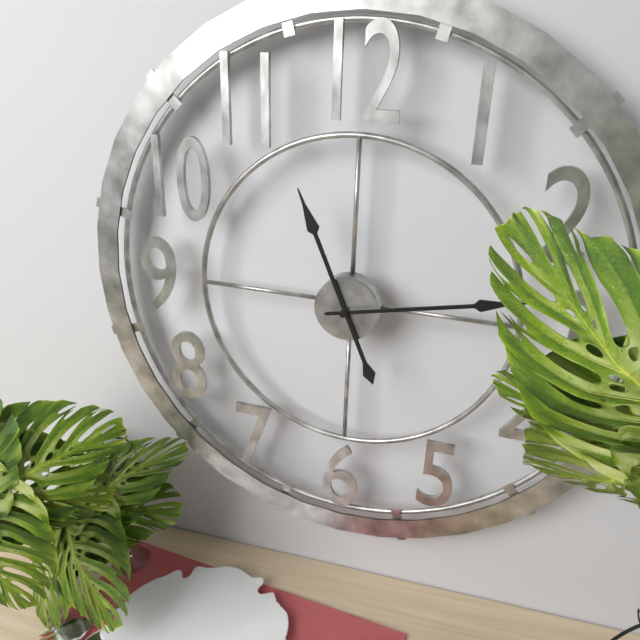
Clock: 11.13
